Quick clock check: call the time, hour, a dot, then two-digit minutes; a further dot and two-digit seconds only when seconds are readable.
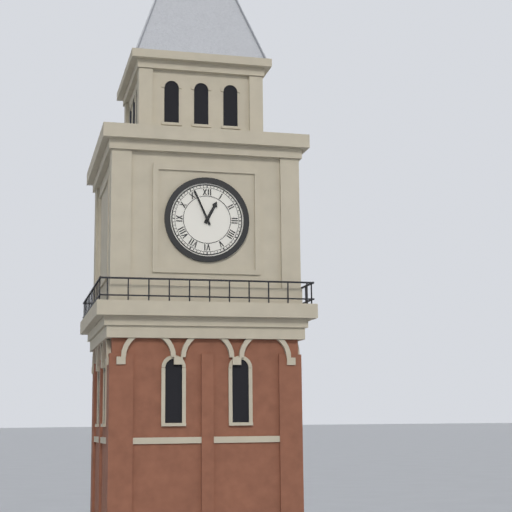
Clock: 12.56
